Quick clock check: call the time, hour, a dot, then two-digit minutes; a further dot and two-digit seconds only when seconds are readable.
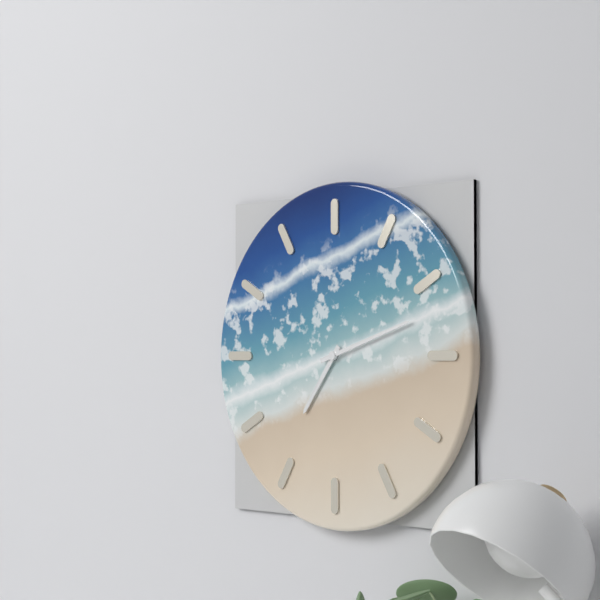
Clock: 7.12
